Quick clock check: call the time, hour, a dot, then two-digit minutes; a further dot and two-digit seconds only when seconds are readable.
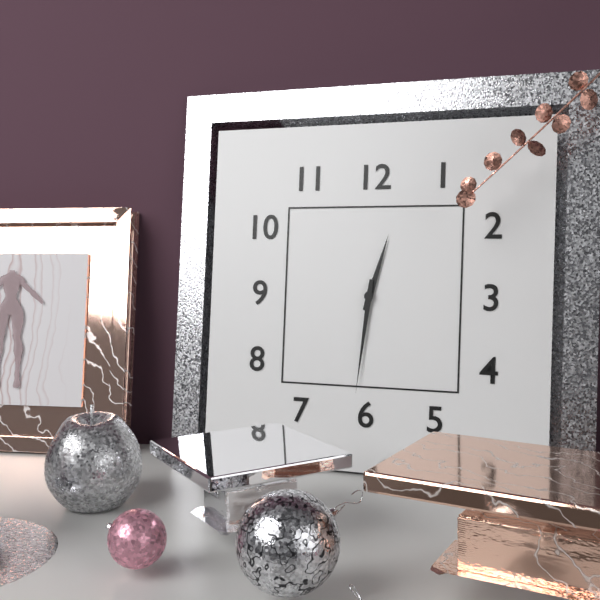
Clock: 12.31
